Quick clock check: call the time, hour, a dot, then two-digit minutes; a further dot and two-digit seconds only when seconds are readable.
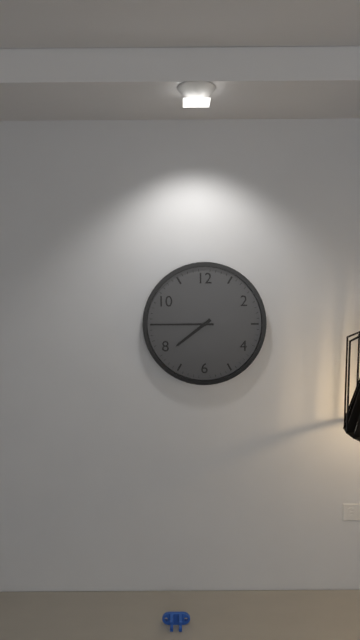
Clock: 7.45
